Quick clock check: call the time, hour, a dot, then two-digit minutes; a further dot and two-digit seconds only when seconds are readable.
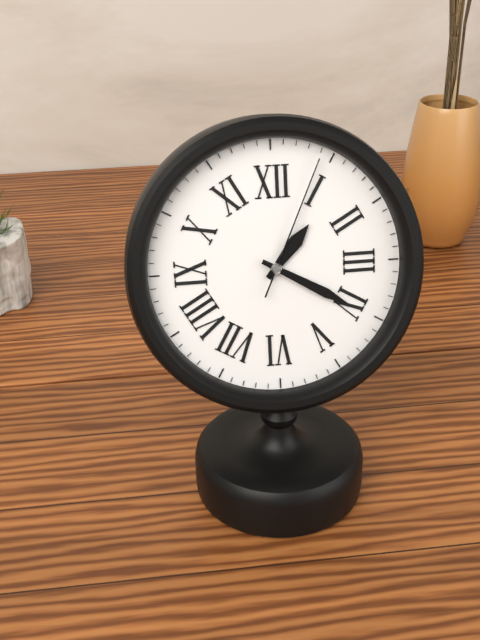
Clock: 1.20.04
